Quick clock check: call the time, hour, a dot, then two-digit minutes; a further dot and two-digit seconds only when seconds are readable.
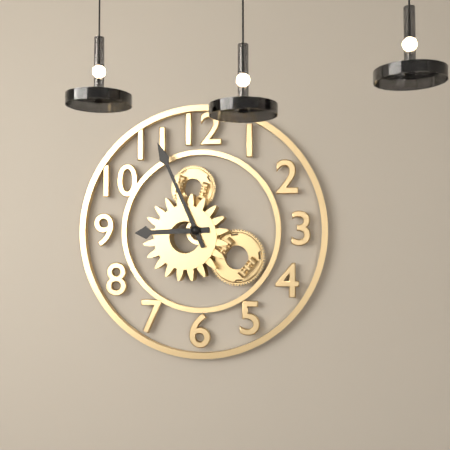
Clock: 8.56
